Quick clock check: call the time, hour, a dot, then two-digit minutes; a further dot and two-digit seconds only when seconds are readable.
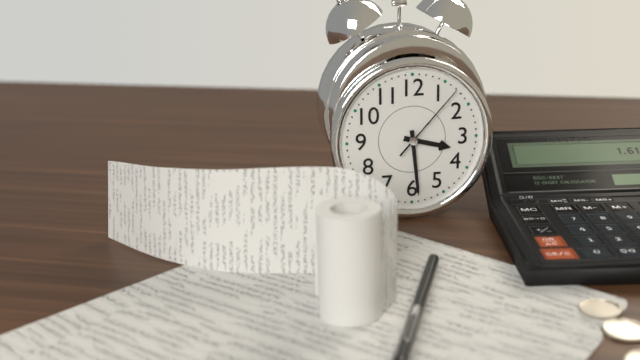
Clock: 3.29.07
